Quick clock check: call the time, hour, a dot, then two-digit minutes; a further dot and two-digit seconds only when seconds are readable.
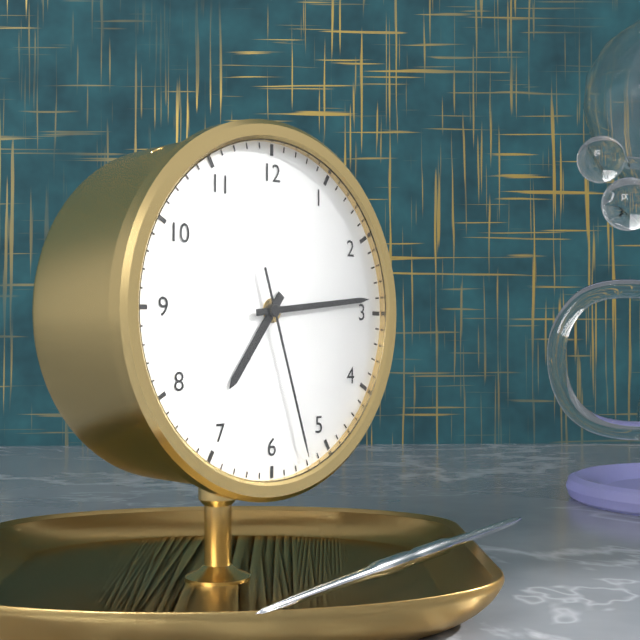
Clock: 7.14.27
